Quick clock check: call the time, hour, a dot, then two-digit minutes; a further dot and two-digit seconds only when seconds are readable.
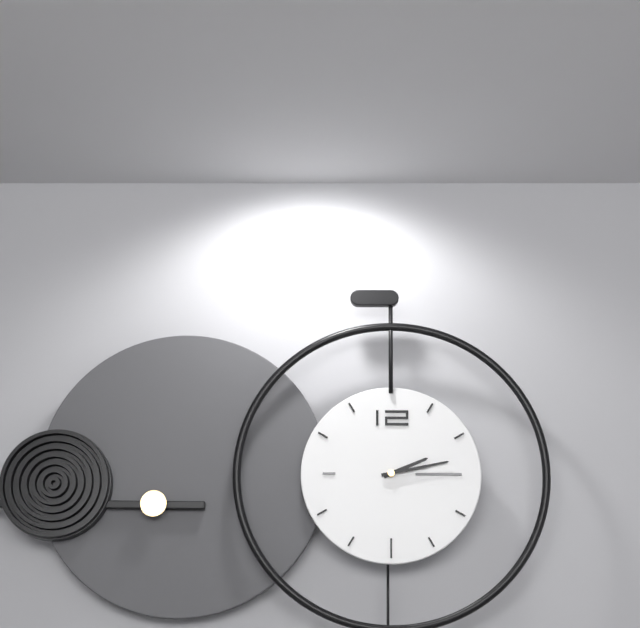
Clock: 2.13
